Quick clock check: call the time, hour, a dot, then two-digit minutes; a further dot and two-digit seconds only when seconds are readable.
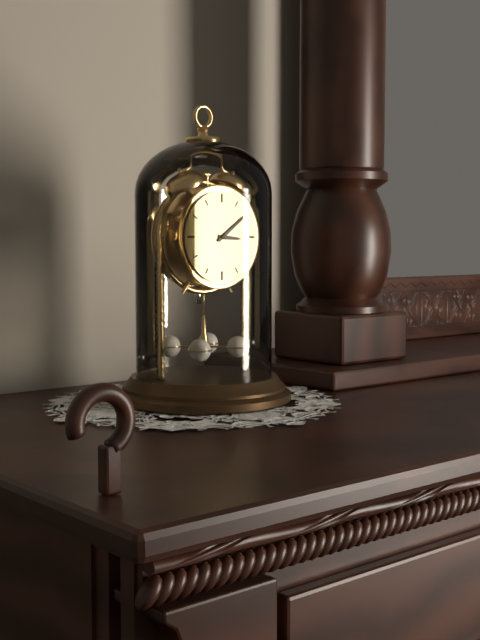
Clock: 3.09
